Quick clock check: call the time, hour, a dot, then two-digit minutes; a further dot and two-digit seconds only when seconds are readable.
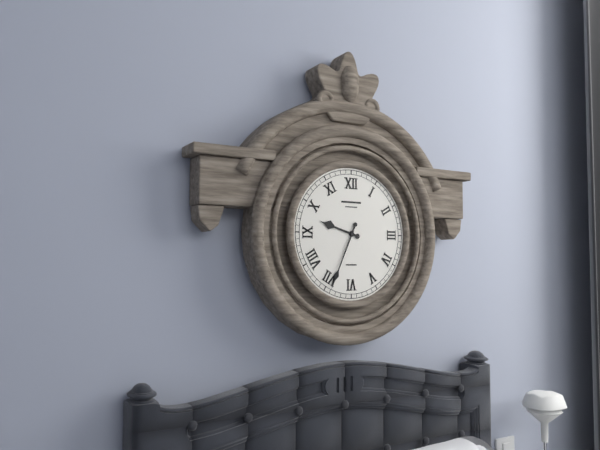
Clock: 9.34
